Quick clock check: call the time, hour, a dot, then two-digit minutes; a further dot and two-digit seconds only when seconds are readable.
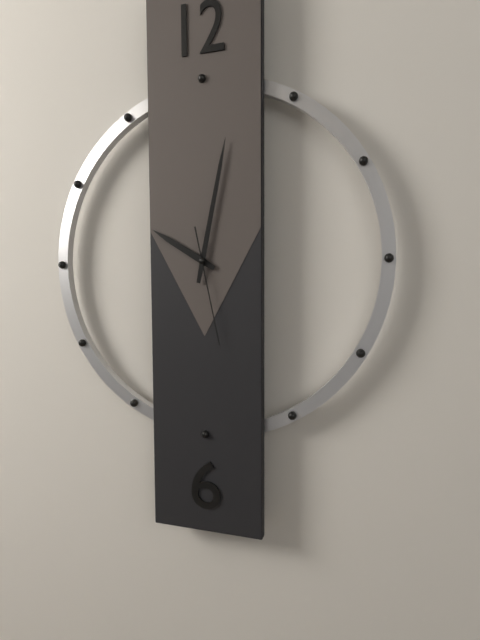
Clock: 10.02.28
